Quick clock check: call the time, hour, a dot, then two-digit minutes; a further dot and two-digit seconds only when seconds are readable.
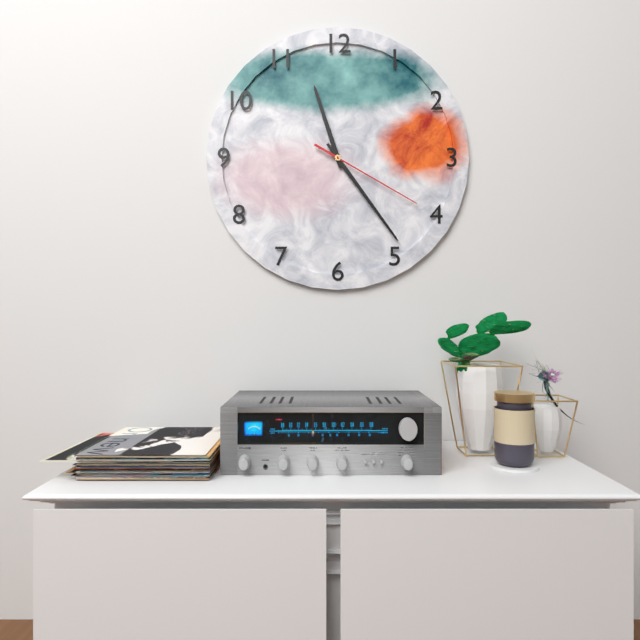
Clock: 11.24.20
